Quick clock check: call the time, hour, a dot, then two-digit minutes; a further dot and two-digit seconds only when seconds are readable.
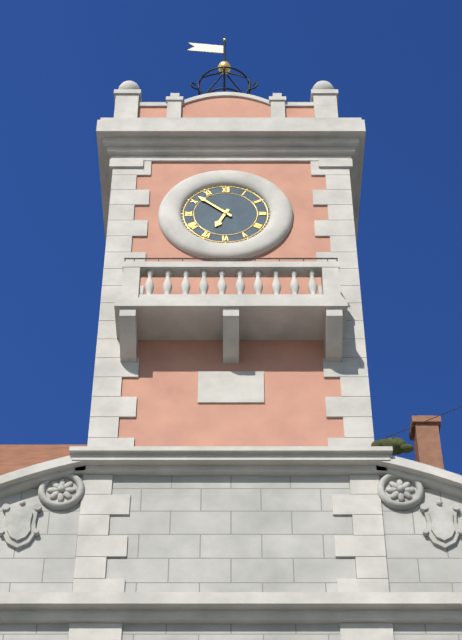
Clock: 6.52
